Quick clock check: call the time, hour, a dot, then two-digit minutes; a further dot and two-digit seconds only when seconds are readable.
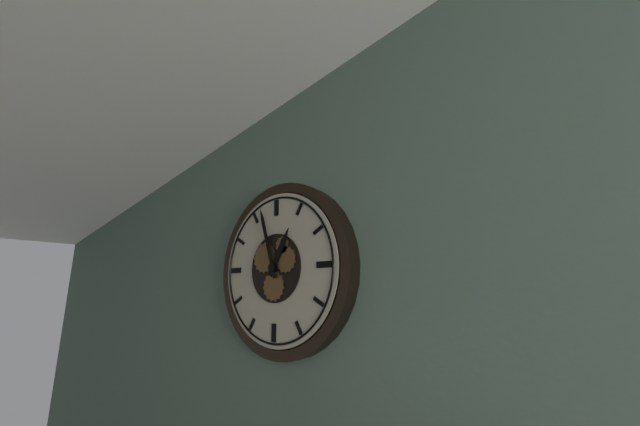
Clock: 12.57
